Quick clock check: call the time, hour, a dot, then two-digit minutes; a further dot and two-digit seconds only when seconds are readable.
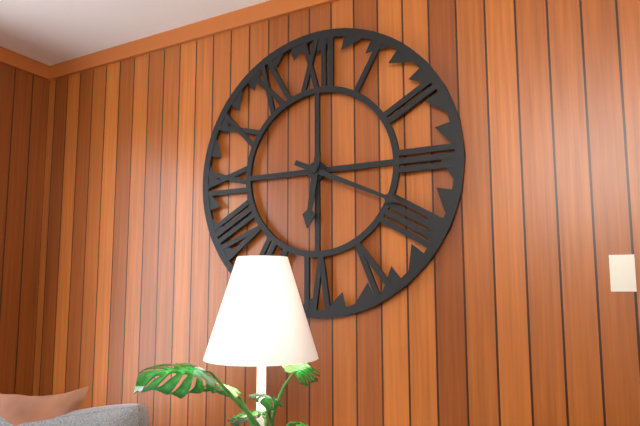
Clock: 6.19
